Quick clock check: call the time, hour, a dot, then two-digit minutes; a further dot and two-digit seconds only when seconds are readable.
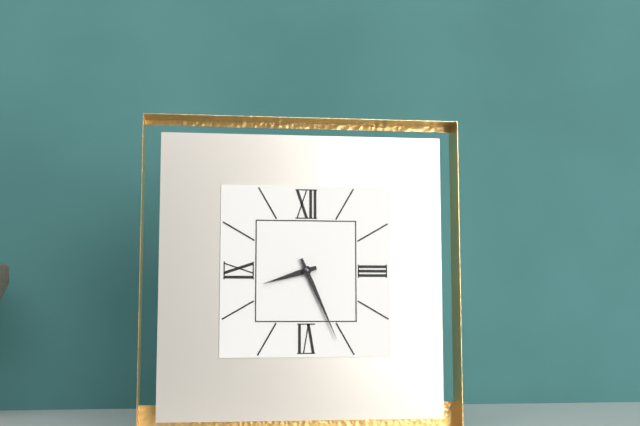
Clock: 8.26
